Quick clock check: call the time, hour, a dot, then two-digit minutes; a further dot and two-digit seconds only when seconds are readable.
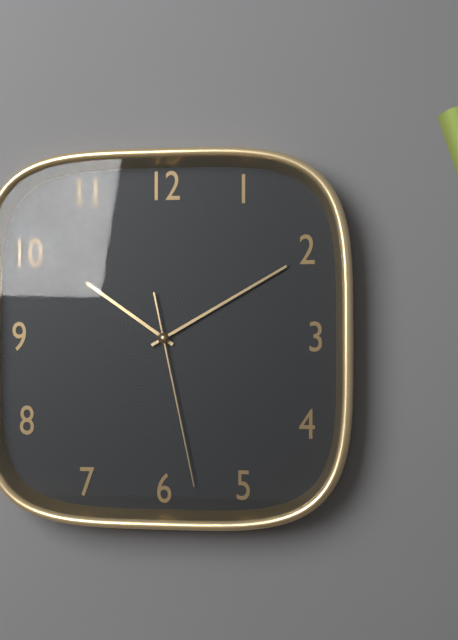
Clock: 10.10.28
